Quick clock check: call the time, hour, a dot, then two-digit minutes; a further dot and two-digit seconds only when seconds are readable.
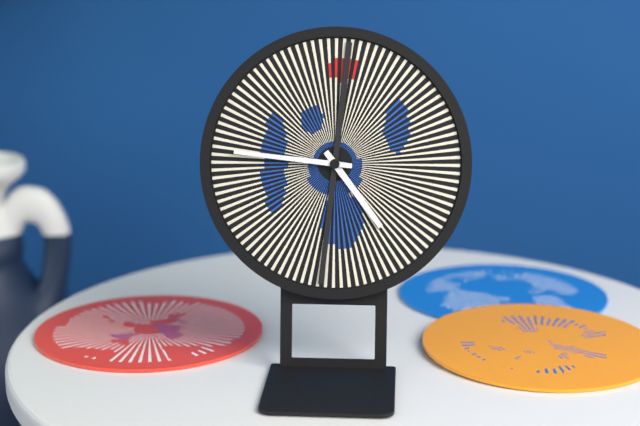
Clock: 4.46
